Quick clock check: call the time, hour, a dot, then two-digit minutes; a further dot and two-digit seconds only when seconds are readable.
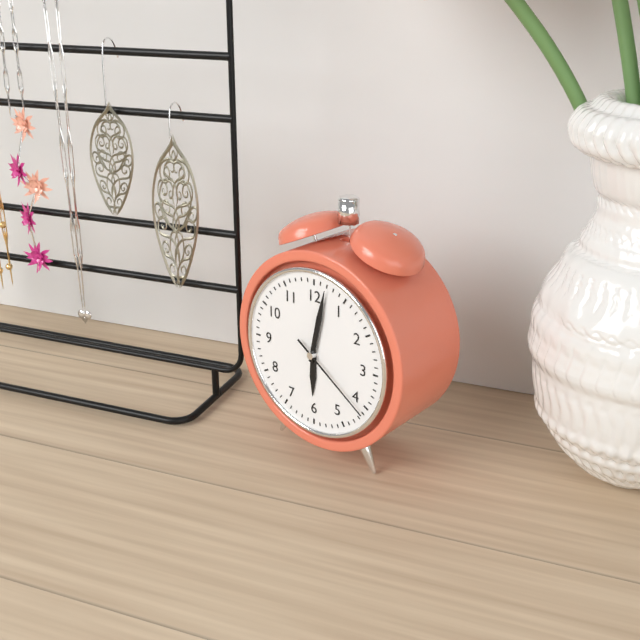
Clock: 6.02.21
